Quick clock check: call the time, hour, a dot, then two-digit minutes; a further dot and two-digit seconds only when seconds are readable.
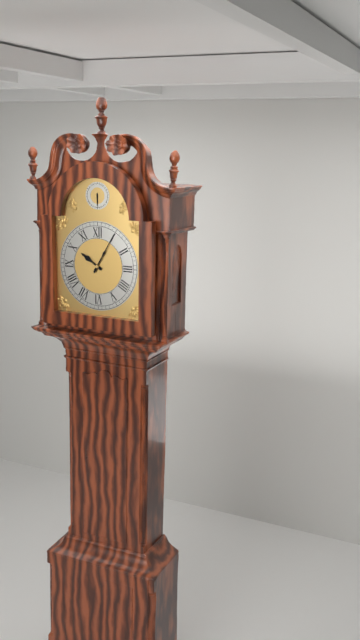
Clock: 10.05
